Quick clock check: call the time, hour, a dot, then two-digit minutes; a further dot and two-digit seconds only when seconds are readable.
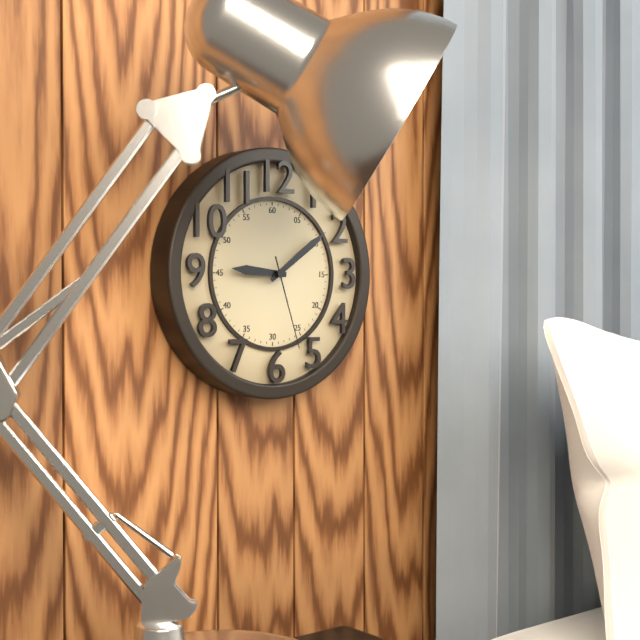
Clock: 9.09.27
